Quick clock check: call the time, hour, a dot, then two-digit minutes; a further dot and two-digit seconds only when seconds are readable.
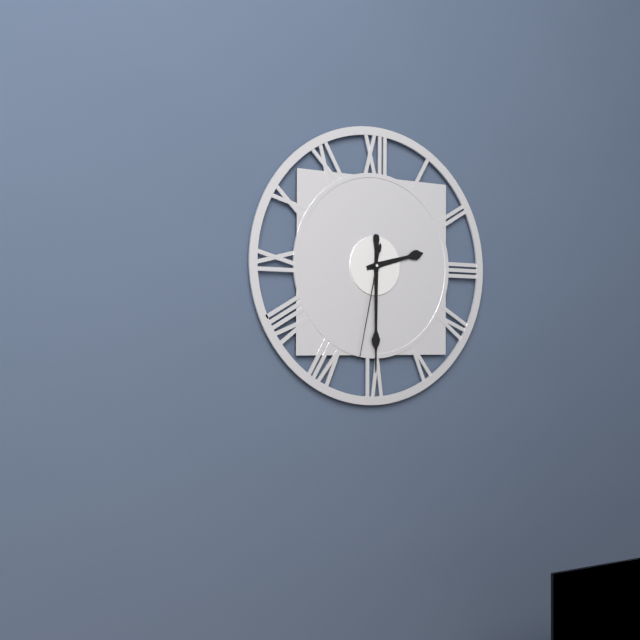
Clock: 2.30.32
